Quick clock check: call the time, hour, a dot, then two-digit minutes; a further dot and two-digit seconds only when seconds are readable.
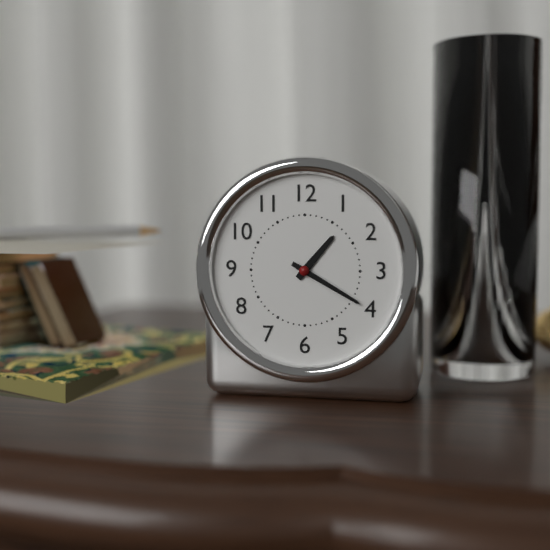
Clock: 1.20
